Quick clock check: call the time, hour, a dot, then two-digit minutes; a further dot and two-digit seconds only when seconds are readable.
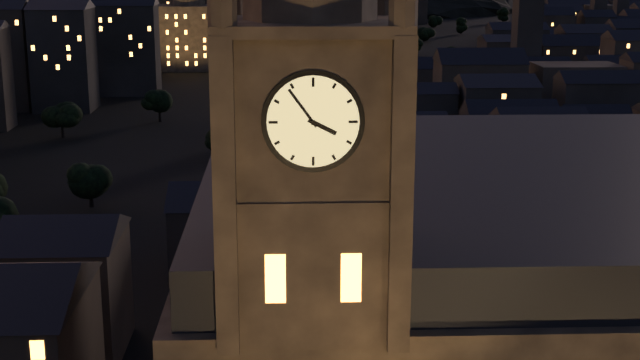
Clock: 3.54
